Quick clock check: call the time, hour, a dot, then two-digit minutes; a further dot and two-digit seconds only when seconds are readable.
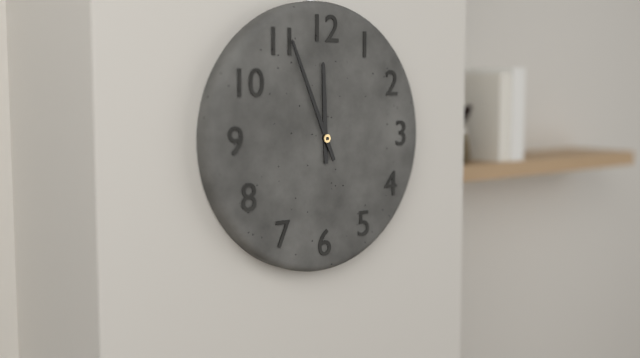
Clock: 11.56
